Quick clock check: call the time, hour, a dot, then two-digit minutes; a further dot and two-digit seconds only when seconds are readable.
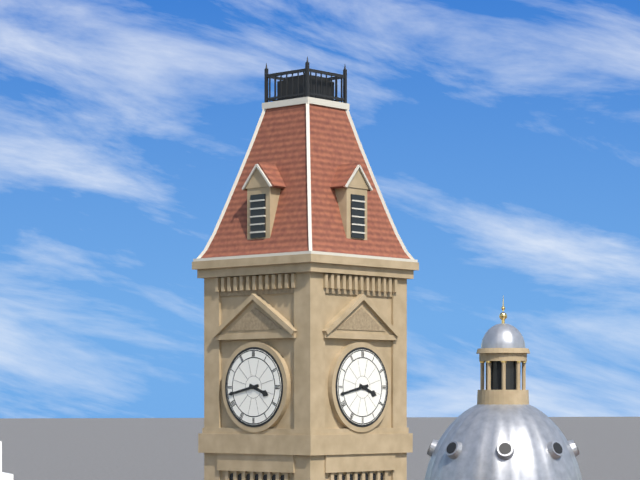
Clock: 3.43
